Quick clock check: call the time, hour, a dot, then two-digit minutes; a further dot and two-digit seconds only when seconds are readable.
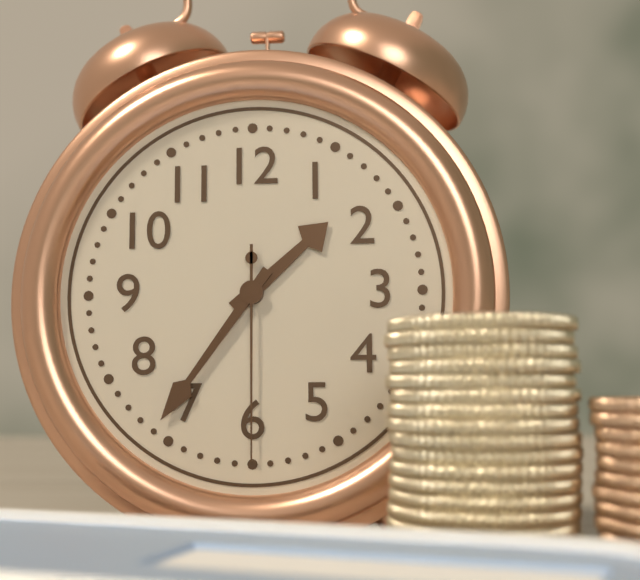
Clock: 1.36.30
